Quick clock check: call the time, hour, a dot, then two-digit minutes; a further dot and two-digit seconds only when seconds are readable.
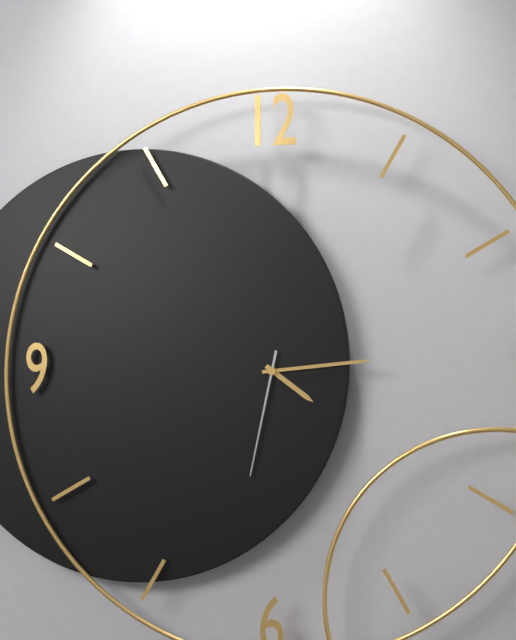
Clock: 4.14.32
